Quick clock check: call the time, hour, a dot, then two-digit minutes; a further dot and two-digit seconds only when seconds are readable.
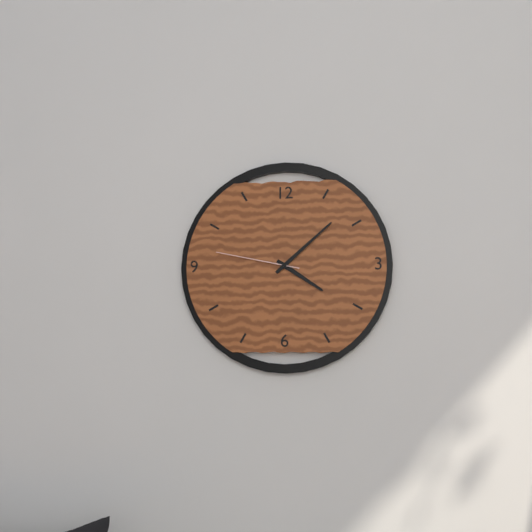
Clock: 4.08.47
